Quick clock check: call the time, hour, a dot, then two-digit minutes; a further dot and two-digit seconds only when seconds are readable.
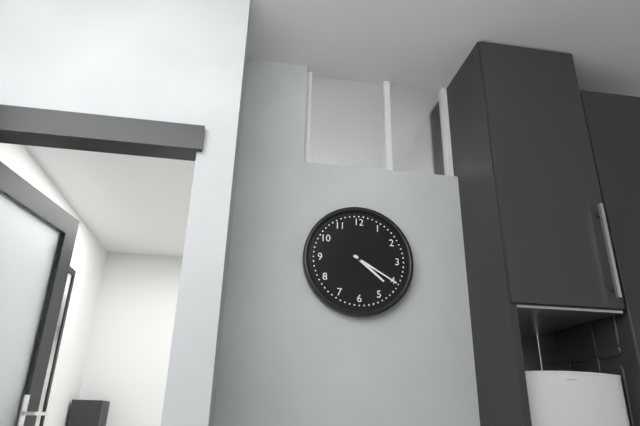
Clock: 4.20
